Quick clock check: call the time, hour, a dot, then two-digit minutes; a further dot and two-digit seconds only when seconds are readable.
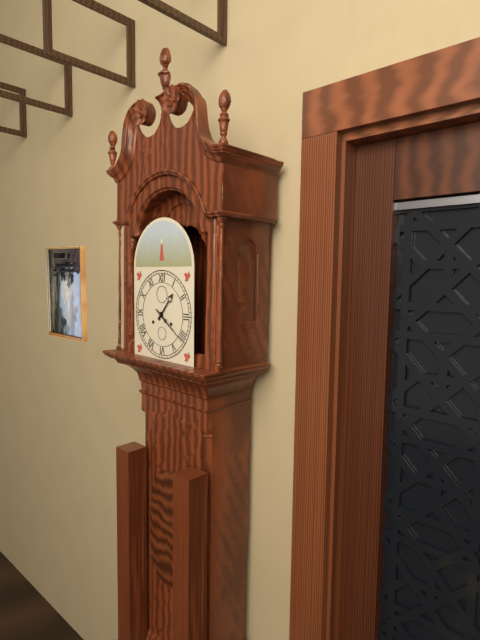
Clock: 1.21
